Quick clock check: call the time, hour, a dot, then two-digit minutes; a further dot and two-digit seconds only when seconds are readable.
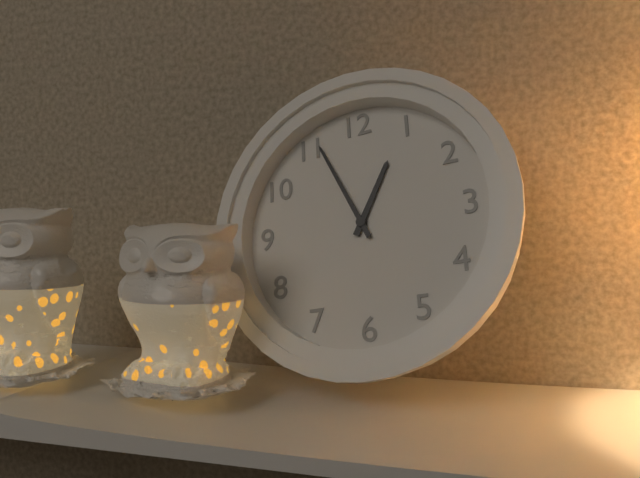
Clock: 12.56
